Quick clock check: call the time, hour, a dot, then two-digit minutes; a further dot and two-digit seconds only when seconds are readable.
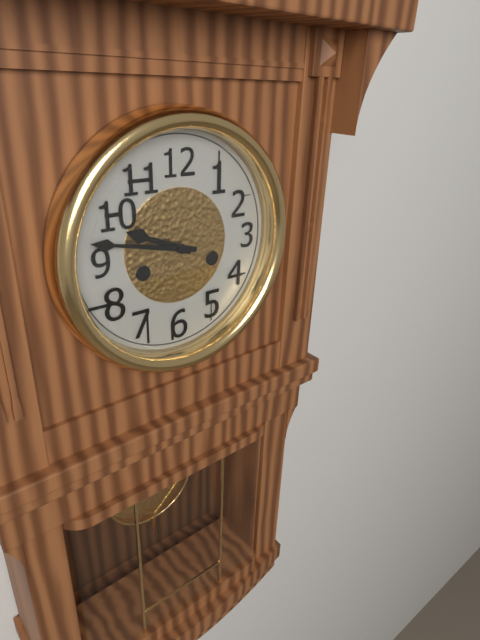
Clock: 9.47
